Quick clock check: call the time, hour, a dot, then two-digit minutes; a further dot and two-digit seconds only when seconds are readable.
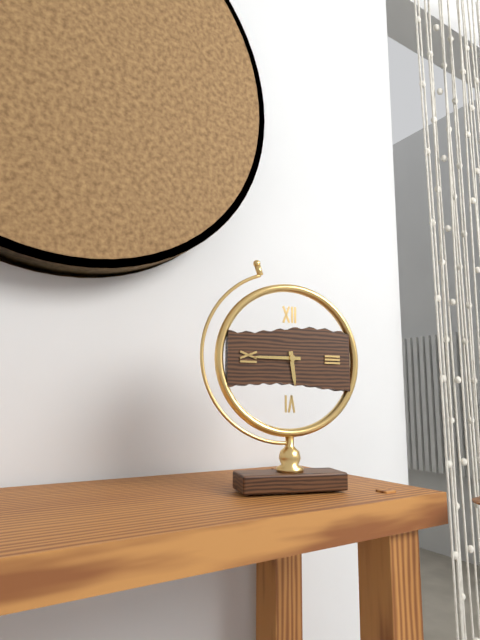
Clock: 5.45
